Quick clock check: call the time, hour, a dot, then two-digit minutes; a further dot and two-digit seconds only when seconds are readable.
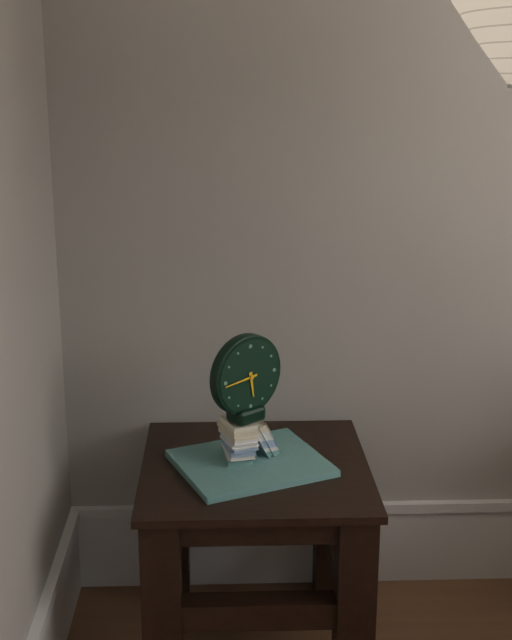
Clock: 5.44
